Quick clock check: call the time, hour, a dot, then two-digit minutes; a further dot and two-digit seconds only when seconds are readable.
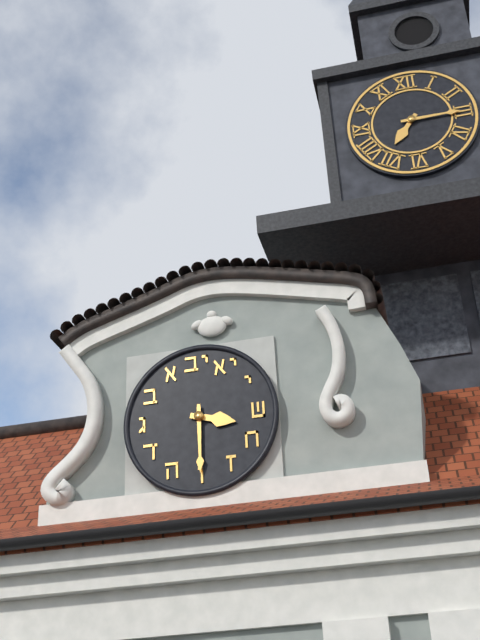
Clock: 3.30
